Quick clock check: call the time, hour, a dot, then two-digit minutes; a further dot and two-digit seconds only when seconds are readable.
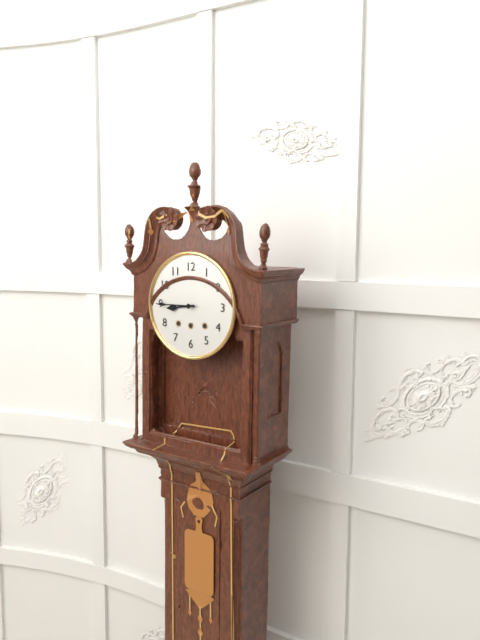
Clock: 8.45
